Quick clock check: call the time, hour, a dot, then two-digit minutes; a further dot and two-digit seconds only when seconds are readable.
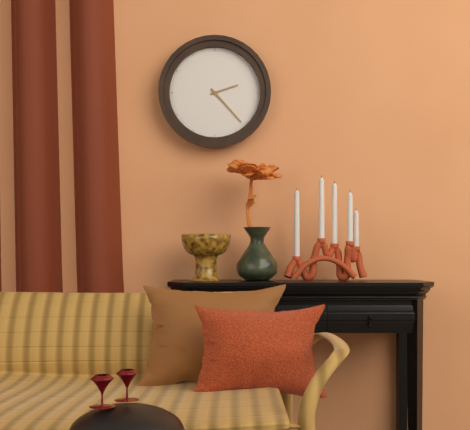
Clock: 2.23
